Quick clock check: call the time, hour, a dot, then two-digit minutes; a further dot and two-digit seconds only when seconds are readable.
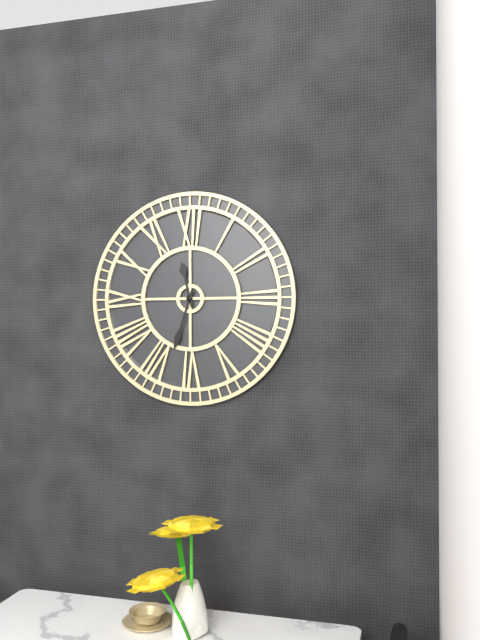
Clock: 11.33
